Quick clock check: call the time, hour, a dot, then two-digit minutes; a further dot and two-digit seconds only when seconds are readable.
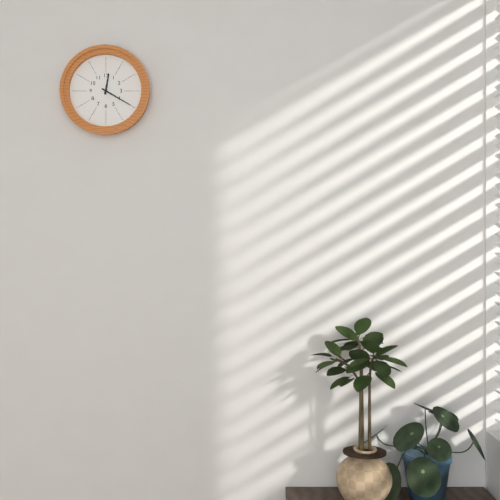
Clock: 12.20
